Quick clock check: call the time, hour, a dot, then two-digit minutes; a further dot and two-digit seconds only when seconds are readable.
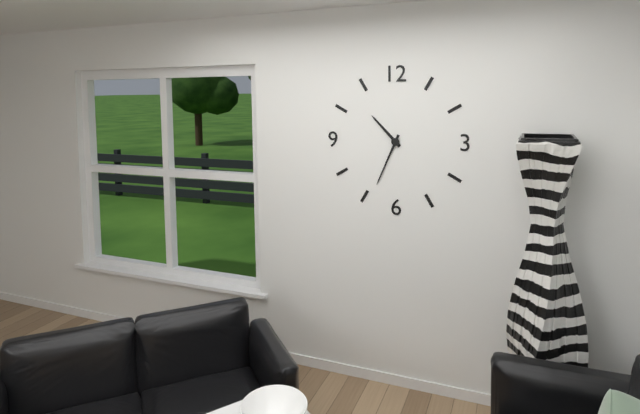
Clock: 10.34
